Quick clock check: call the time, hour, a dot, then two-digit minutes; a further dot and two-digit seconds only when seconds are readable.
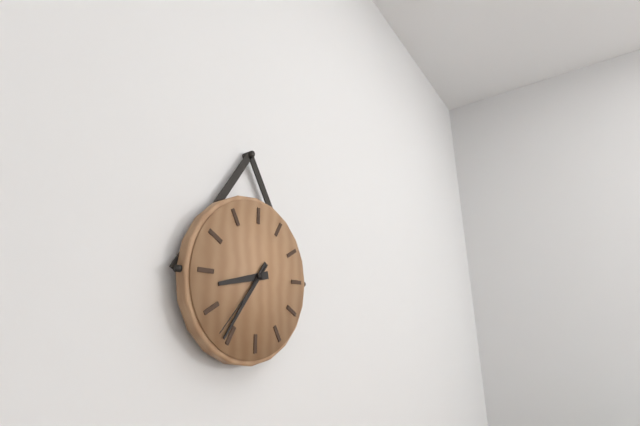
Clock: 8.36.37
